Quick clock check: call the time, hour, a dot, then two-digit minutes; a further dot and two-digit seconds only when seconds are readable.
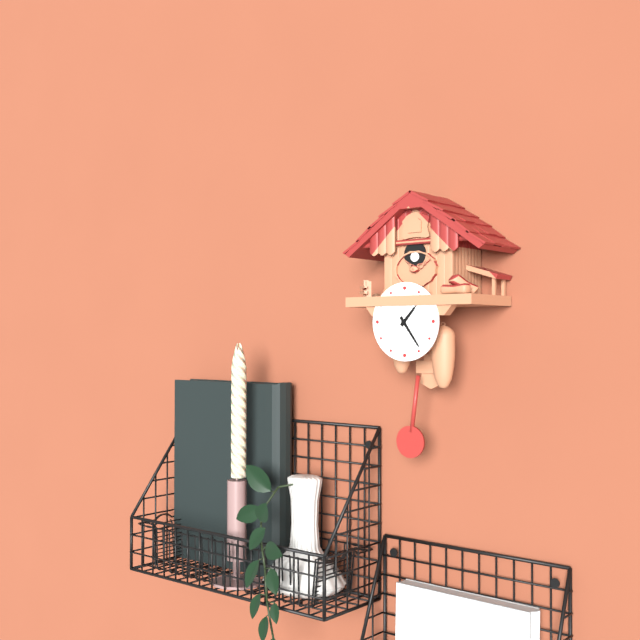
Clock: 1.24
